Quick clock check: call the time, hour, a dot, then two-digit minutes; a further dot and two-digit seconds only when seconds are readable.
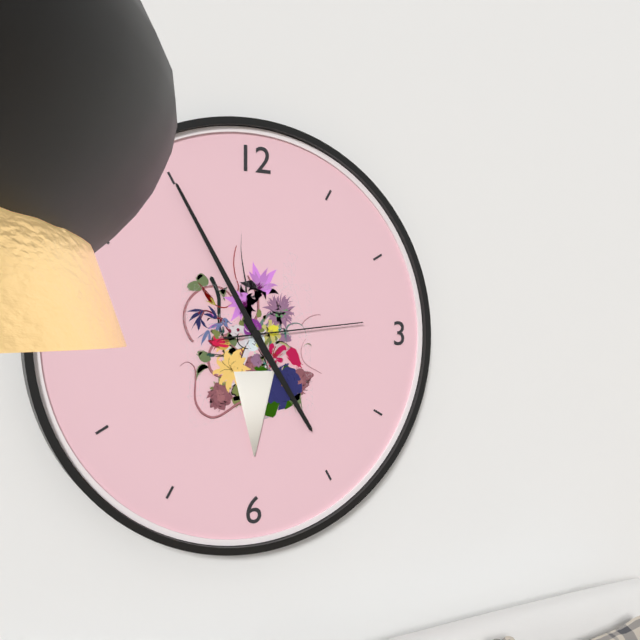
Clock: 4.55.14
